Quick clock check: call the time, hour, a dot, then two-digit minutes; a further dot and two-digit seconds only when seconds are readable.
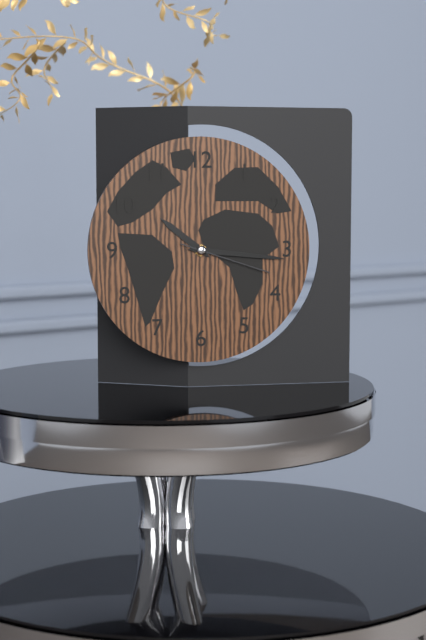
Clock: 10.16.18
